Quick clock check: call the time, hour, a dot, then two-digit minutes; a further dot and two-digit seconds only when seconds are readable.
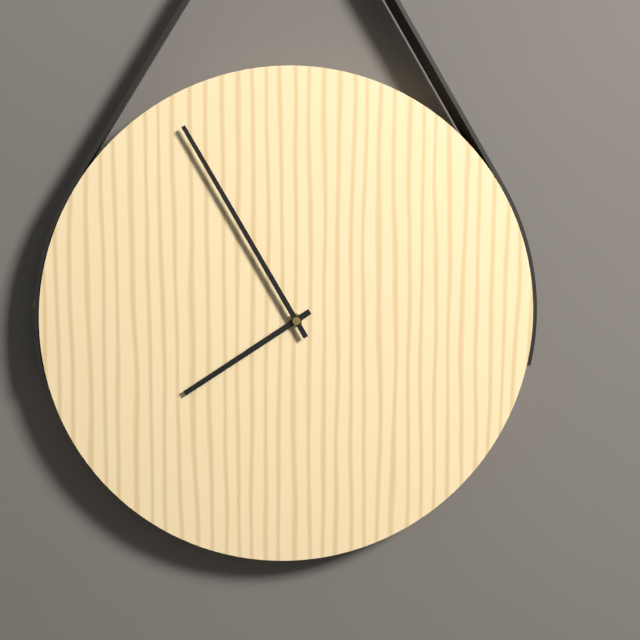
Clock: 7.55
